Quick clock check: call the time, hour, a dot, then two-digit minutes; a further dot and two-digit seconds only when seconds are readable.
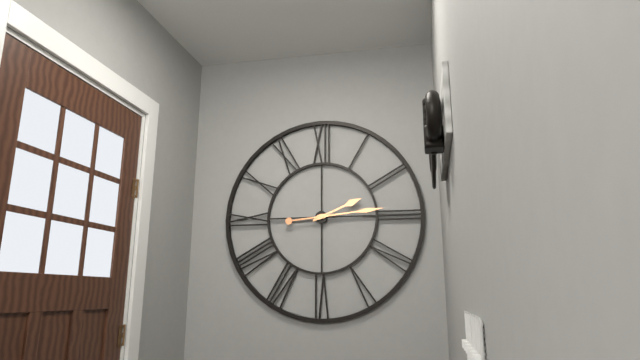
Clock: 2.14
